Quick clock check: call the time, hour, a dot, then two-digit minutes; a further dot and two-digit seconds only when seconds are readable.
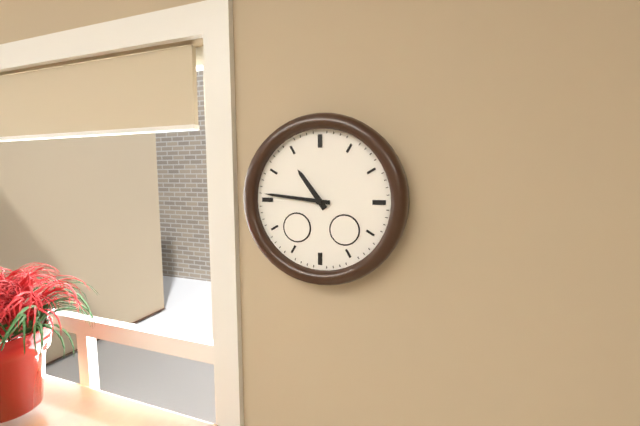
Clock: 10.46
